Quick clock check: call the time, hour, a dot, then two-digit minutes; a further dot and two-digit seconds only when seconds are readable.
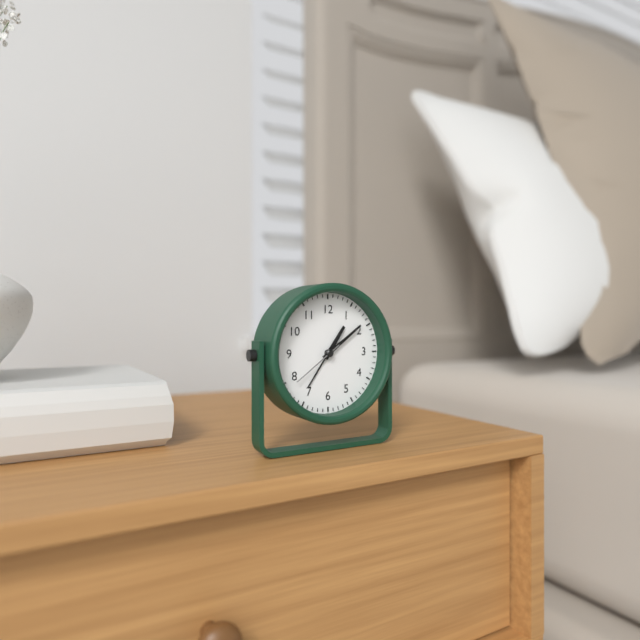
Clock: 1.09.39
